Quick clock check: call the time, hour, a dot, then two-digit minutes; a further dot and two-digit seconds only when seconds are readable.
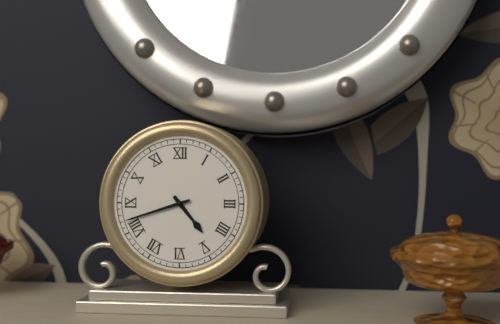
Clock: 4.42
